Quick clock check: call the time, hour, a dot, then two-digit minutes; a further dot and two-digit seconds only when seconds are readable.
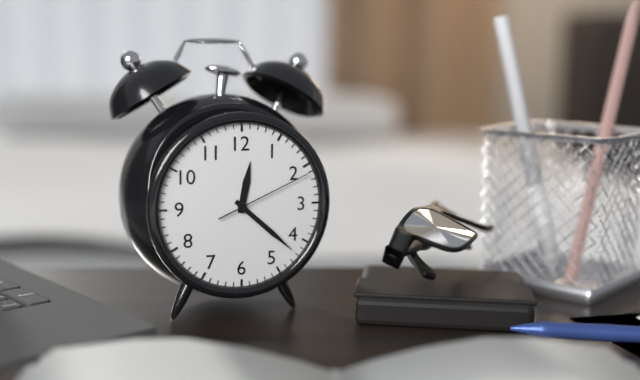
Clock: 12.22.11
